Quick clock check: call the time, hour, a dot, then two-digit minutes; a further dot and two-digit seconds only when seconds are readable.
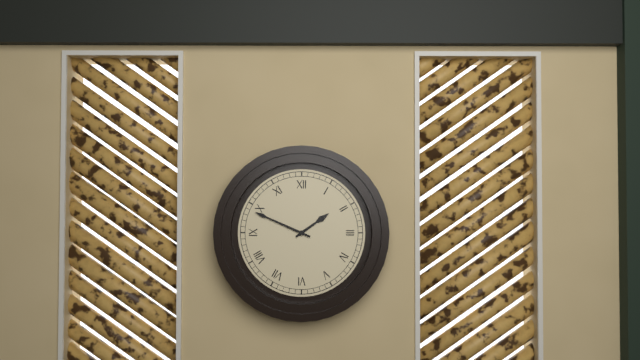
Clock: 1.49
